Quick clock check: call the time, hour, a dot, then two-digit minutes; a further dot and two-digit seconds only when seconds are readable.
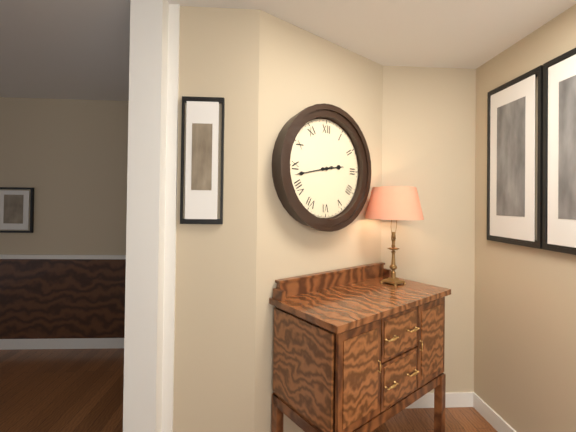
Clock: 2.43
